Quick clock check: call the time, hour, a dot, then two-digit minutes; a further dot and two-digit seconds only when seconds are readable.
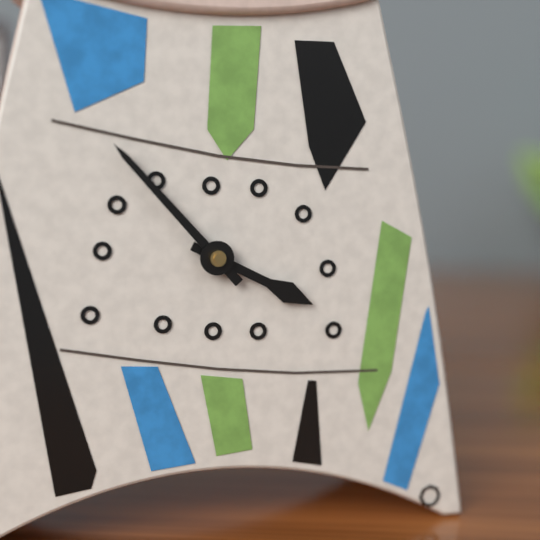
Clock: 3.53
